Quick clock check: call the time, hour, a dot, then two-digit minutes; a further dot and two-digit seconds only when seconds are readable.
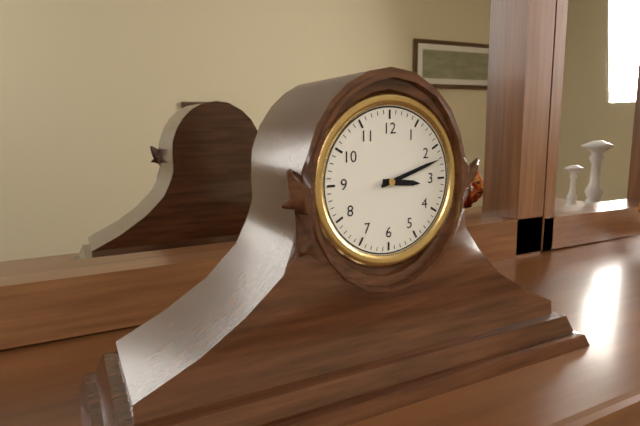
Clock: 3.12
